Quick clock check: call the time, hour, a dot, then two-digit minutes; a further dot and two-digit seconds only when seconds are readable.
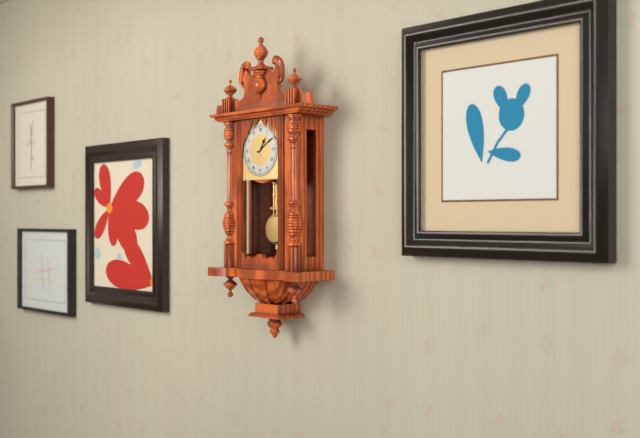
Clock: 1.10
